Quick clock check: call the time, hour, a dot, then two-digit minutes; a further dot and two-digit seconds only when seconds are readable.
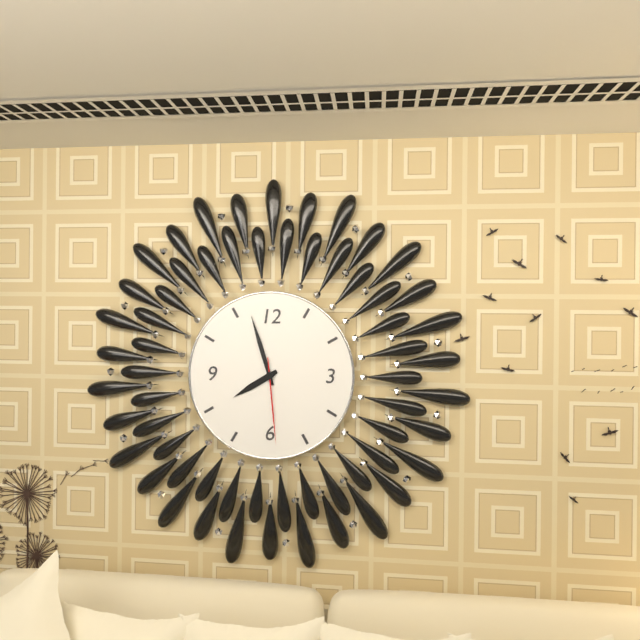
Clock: 7.57.29
